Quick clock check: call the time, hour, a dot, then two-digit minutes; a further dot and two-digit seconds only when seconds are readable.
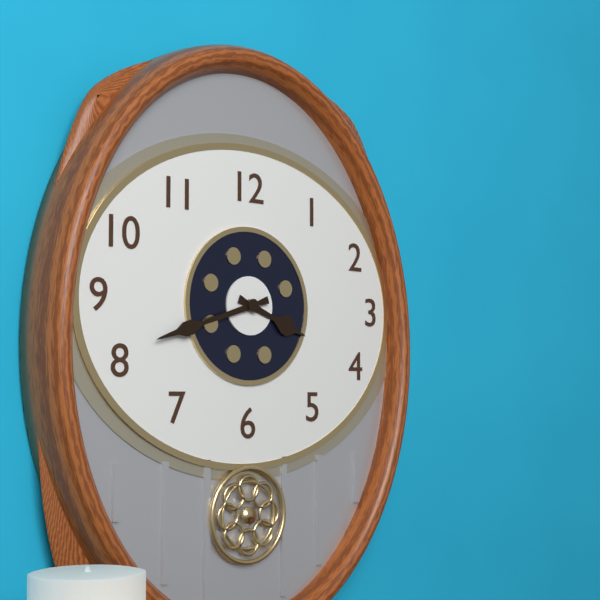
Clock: 3.42
